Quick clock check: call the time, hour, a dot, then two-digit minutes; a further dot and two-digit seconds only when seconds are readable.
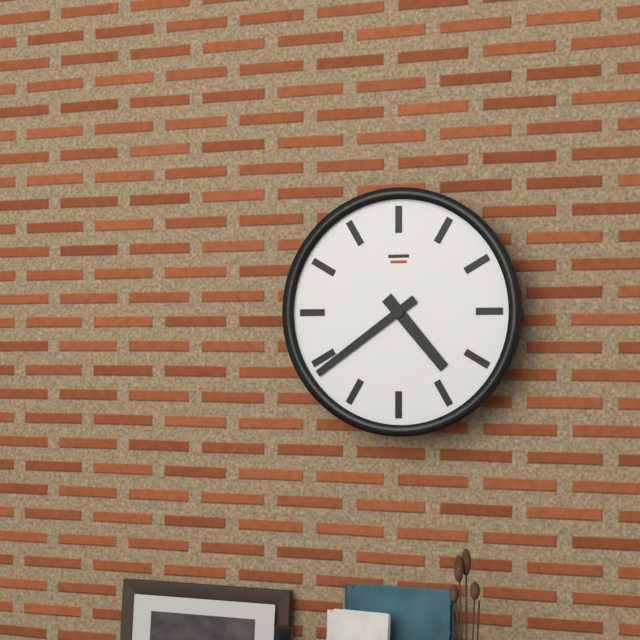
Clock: 4.39
